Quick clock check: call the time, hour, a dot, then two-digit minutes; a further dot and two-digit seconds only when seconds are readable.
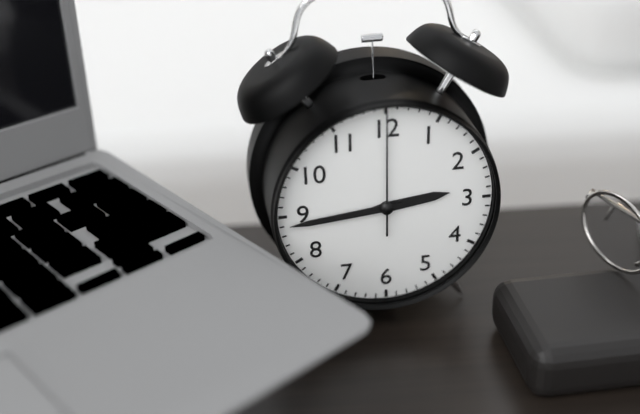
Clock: 2.44.00
